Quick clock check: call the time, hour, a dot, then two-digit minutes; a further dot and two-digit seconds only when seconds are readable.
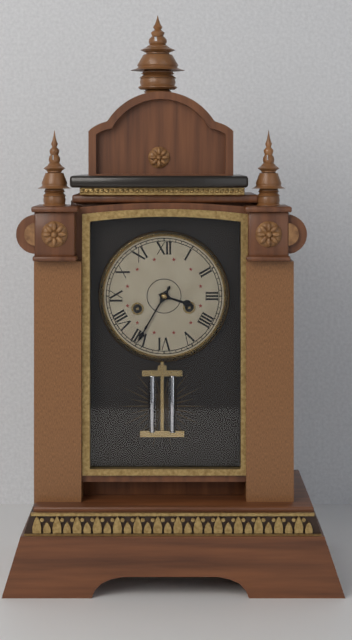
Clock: 3.35
